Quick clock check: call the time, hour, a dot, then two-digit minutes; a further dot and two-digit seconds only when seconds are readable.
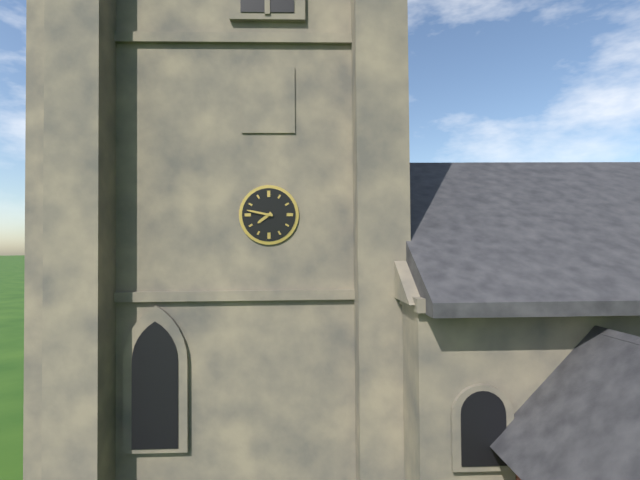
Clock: 7.47
